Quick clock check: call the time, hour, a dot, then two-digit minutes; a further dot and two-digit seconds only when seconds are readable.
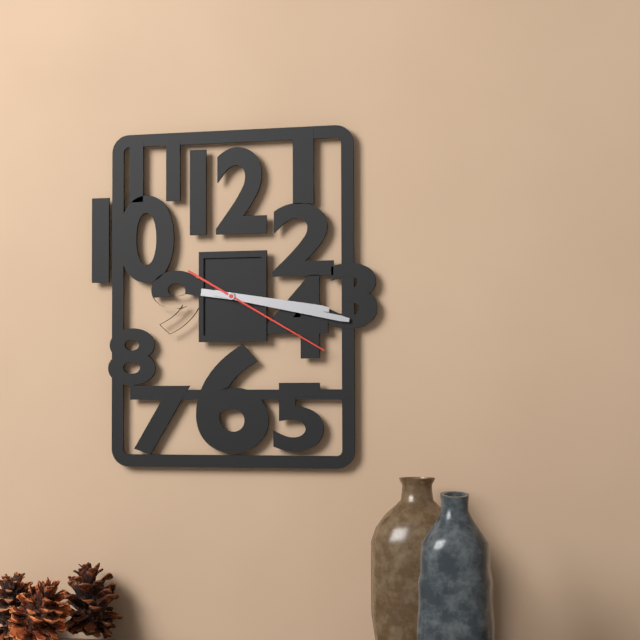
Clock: 3.17.20
